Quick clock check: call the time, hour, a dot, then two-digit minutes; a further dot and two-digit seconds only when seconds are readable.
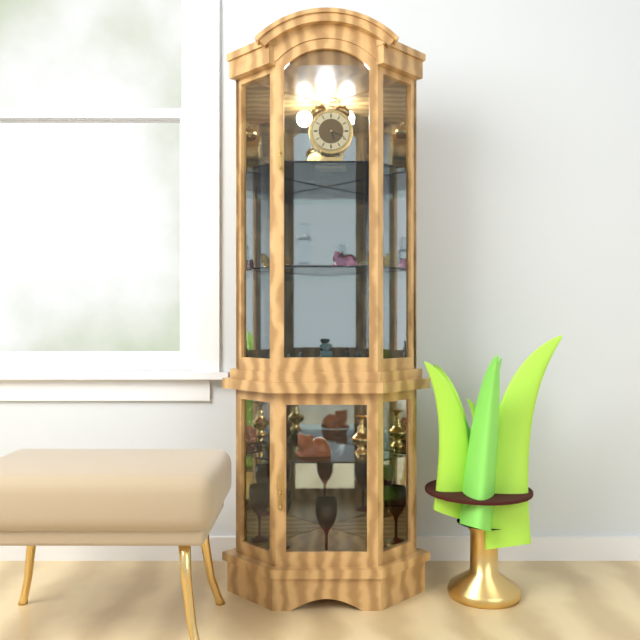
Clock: 5.19
